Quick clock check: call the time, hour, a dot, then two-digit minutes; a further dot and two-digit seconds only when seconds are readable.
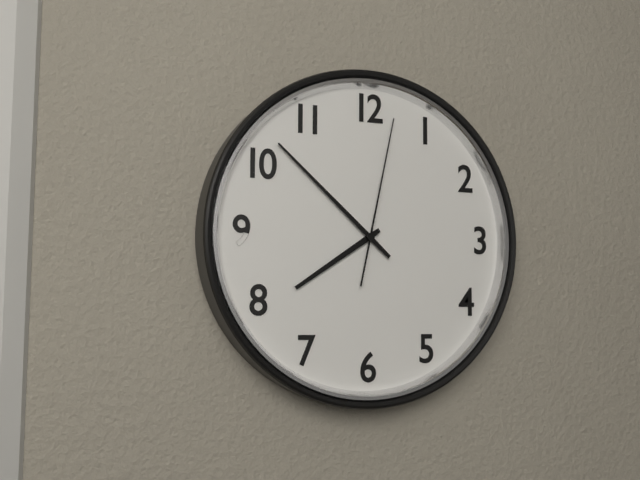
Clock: 7.52.02
